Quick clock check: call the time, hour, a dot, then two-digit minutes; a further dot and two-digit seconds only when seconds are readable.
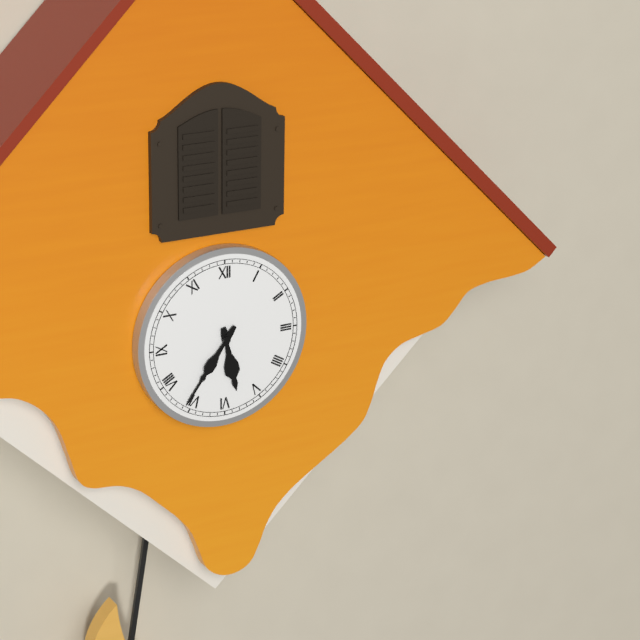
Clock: 5.36
